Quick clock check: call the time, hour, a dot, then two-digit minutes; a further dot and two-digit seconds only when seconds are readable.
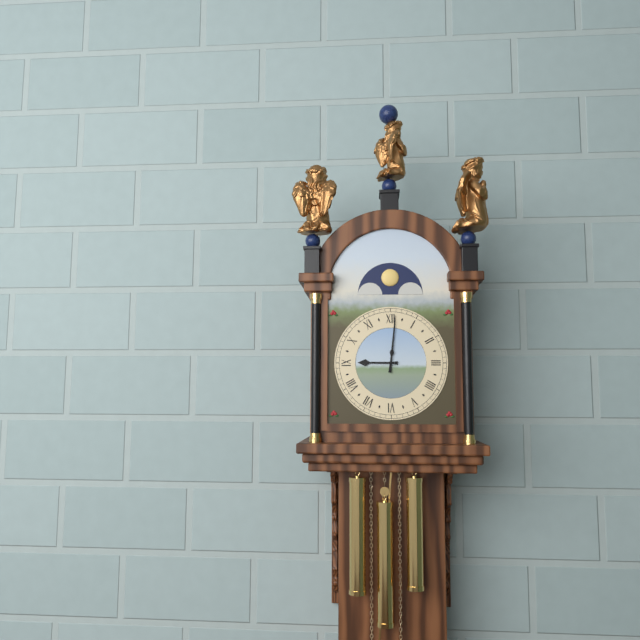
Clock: 9.01
